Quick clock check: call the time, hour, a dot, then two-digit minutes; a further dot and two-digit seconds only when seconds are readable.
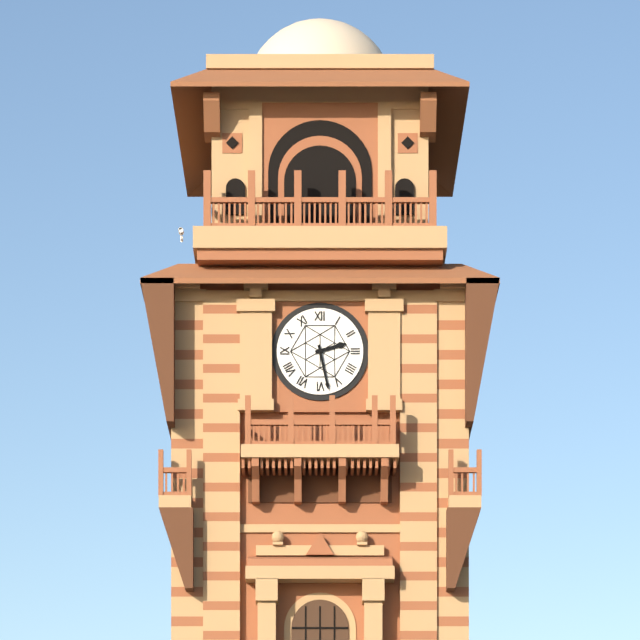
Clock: 2.28
